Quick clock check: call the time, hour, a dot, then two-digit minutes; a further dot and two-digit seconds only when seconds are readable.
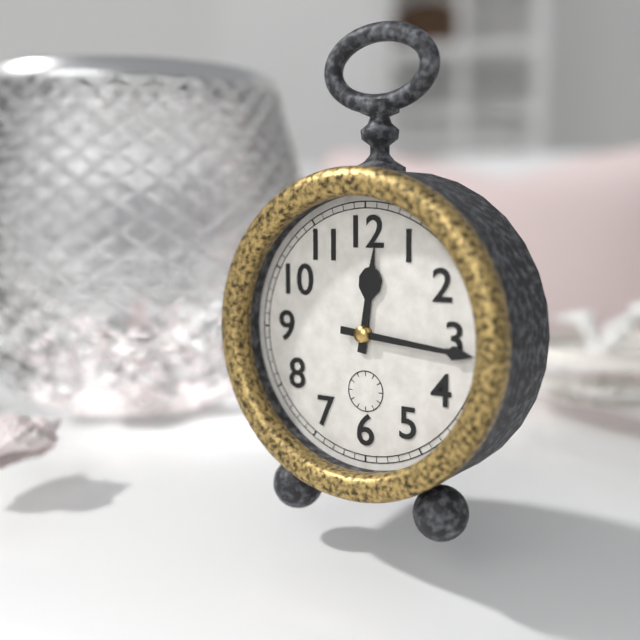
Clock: 12.16
